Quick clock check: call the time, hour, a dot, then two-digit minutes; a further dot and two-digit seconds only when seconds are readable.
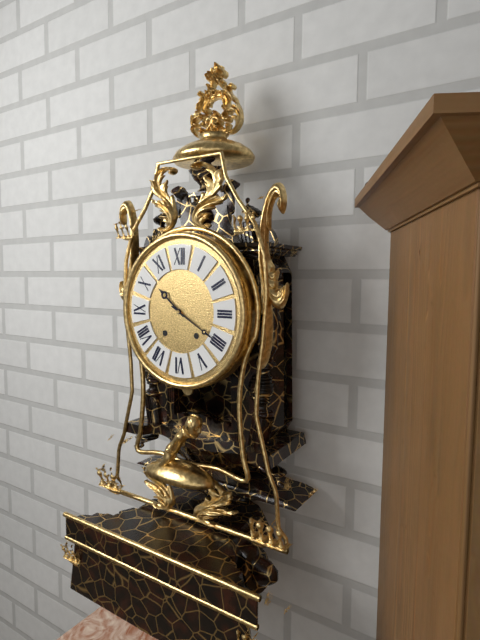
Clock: 10.20
